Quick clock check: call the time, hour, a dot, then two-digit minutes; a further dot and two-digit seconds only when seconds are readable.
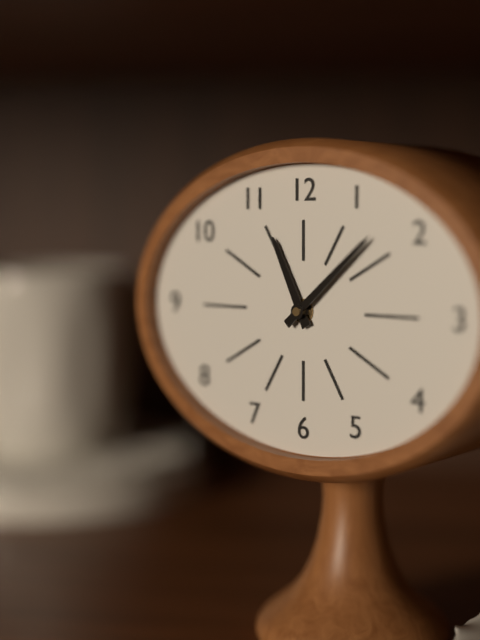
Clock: 11.08
